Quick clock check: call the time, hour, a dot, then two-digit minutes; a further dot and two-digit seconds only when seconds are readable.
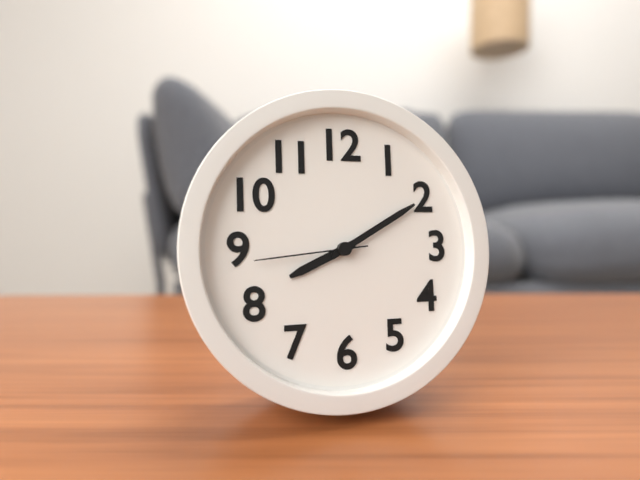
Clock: 8.10.44
